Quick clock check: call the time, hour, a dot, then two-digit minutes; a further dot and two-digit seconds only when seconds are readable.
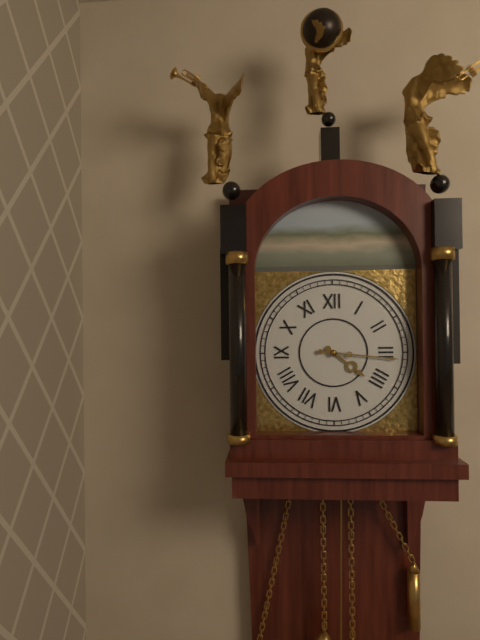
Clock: 4.16
